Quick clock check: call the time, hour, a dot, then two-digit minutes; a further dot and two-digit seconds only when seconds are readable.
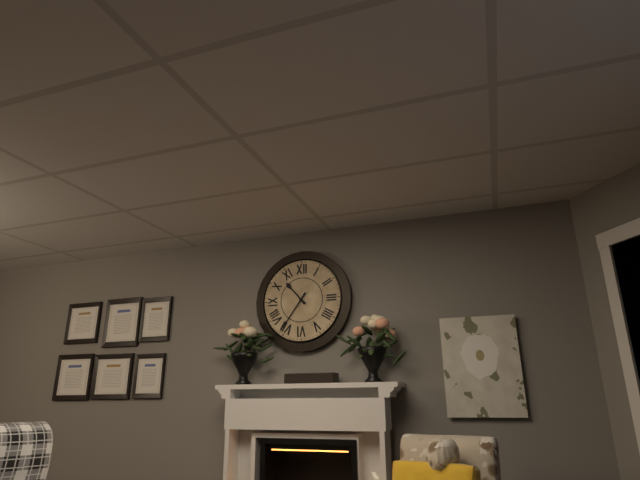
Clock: 10.36
